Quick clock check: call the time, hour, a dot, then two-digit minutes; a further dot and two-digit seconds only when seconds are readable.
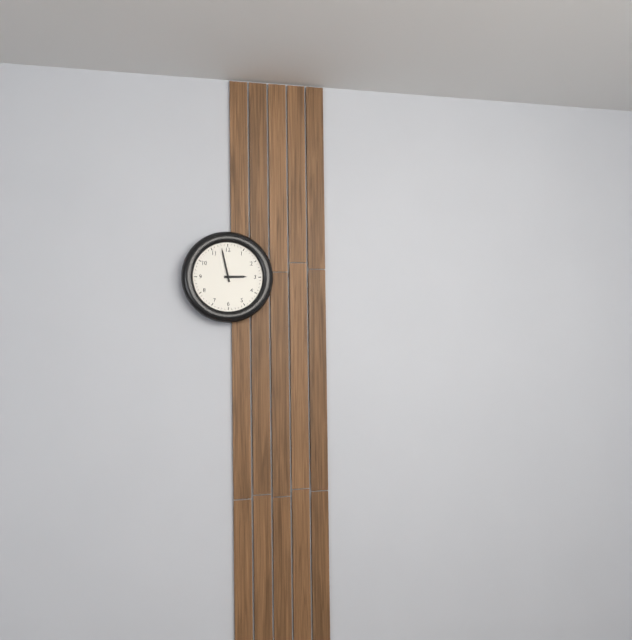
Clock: 2.58
